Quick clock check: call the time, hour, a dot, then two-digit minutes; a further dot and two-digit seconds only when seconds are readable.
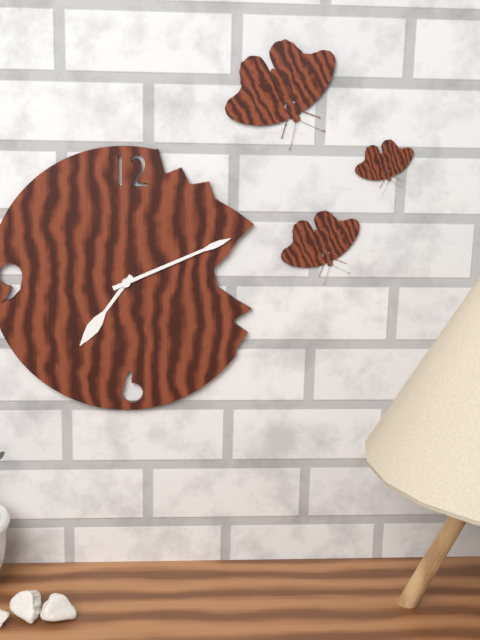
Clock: 7.11
